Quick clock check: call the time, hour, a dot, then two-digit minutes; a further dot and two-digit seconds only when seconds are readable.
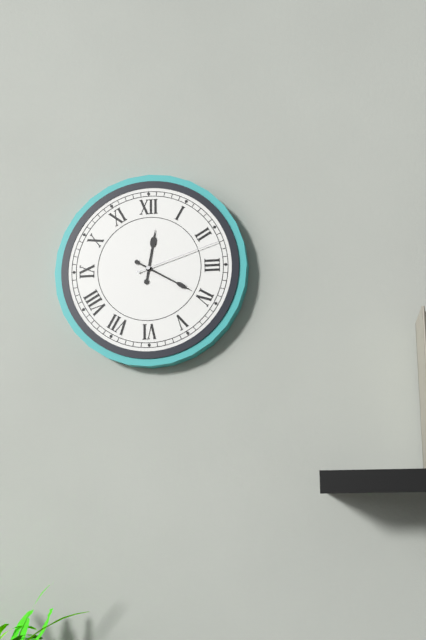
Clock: 12.20.12
